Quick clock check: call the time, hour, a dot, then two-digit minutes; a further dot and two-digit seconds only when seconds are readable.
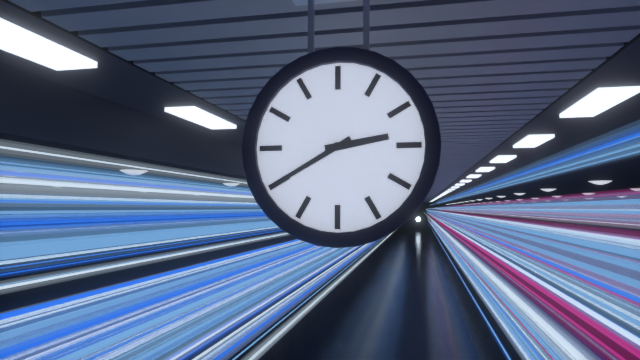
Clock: 2.40
